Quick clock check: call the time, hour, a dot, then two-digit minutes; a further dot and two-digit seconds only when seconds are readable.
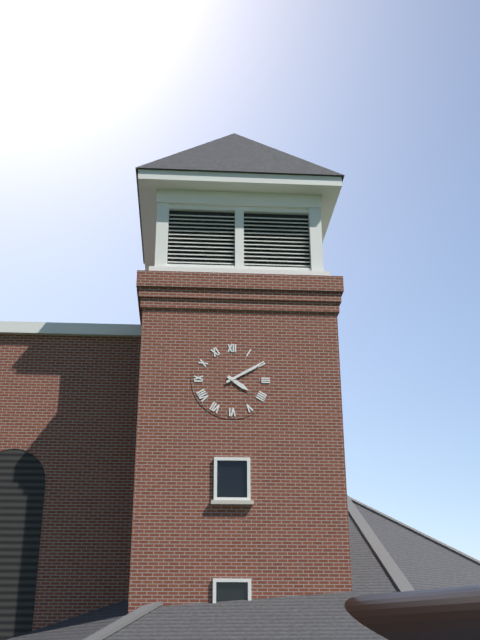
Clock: 4.10
